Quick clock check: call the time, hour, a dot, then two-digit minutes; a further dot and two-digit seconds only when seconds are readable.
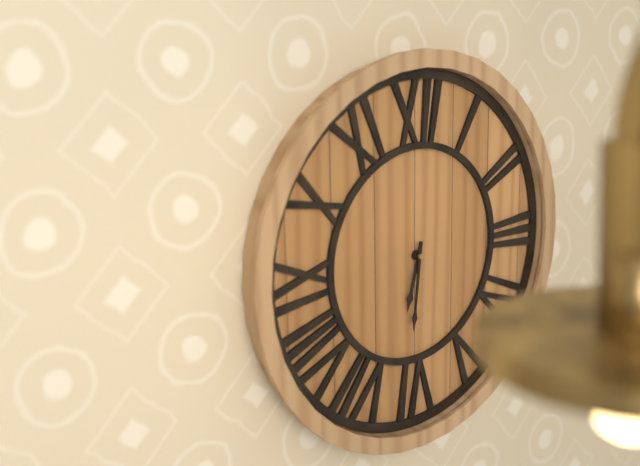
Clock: 6.31
